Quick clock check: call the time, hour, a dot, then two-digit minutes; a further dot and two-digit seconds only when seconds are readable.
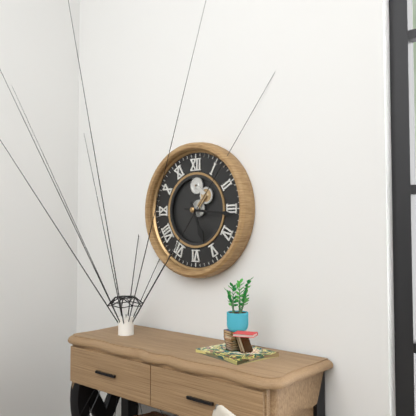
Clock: 5.16
